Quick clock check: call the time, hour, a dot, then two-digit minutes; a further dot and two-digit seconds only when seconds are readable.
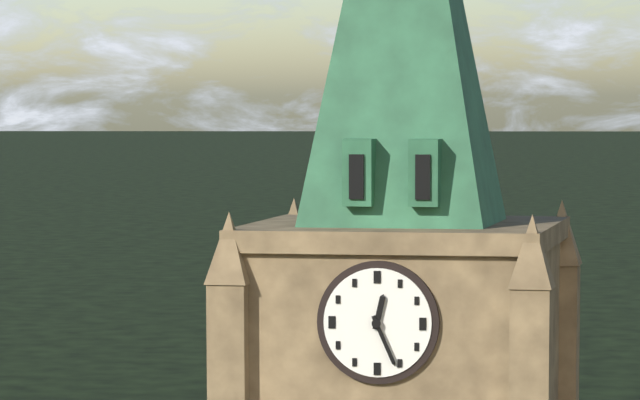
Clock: 12.26
